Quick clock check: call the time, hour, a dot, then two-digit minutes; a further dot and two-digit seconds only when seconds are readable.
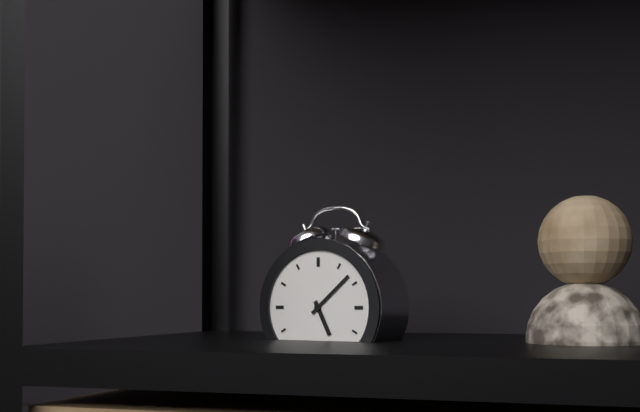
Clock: 5.08
